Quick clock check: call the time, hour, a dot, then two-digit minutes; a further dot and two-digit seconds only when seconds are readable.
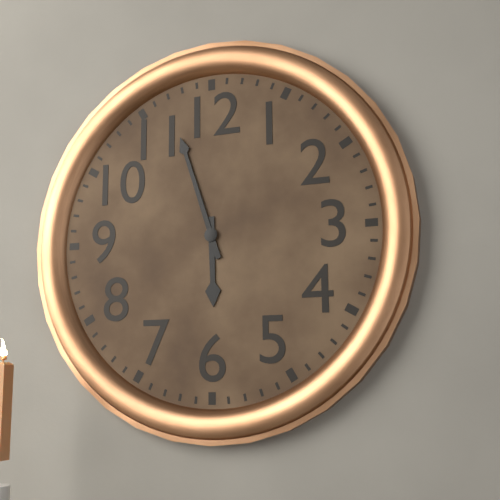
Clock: 5.57
